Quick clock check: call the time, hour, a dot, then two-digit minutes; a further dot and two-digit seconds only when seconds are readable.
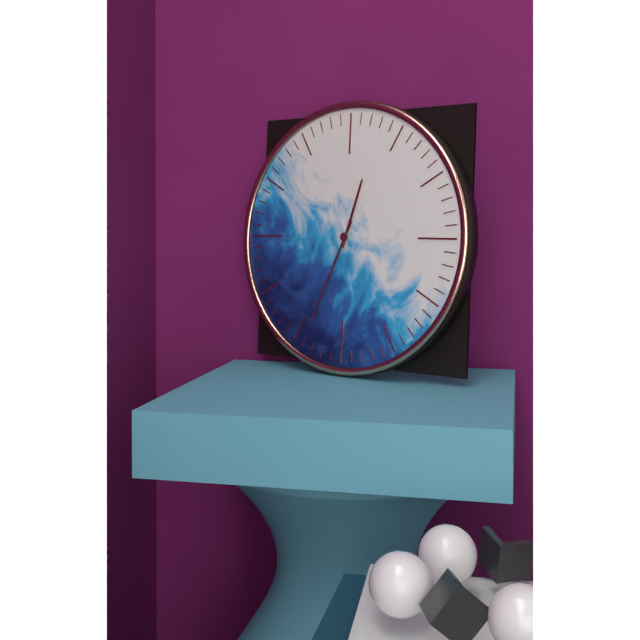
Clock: 12.34
